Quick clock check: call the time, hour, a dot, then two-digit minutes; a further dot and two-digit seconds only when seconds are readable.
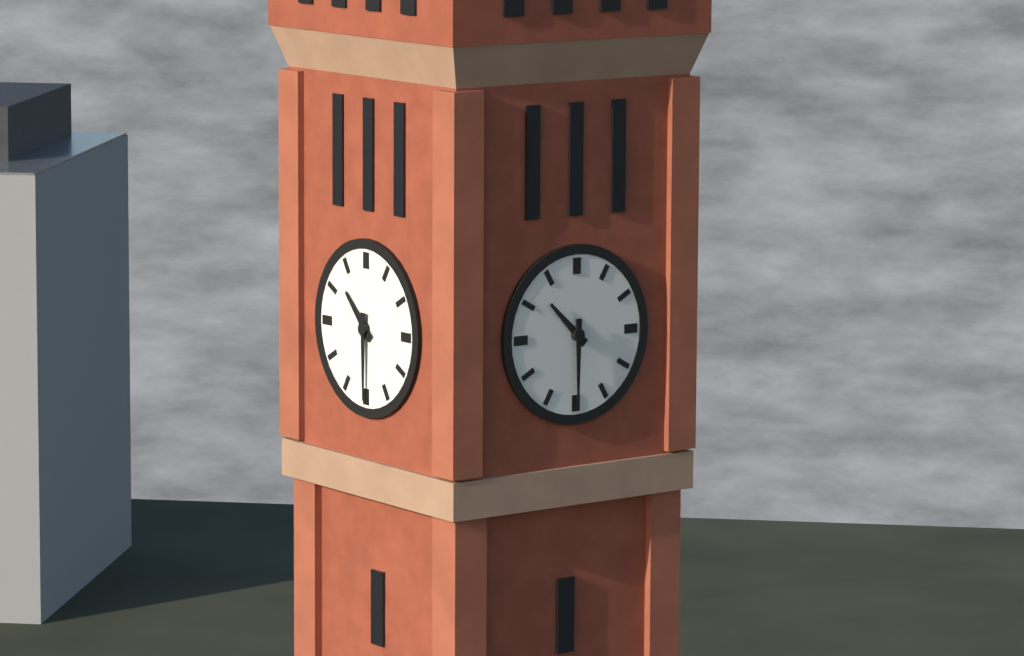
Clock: 10.30
